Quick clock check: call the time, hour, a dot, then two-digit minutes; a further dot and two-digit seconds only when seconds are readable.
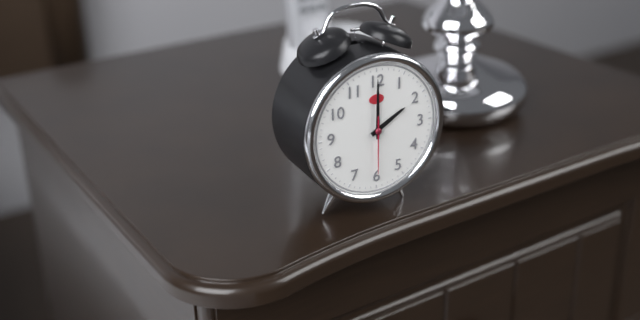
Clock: 2.00.30
